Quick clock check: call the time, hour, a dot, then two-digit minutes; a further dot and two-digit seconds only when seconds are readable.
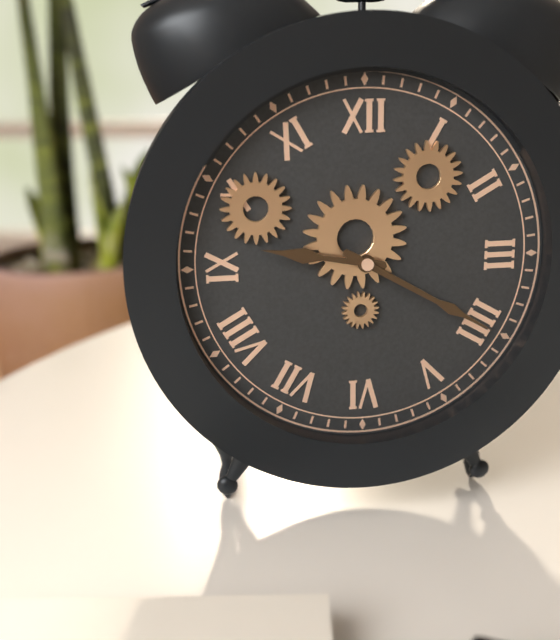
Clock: 9.20
